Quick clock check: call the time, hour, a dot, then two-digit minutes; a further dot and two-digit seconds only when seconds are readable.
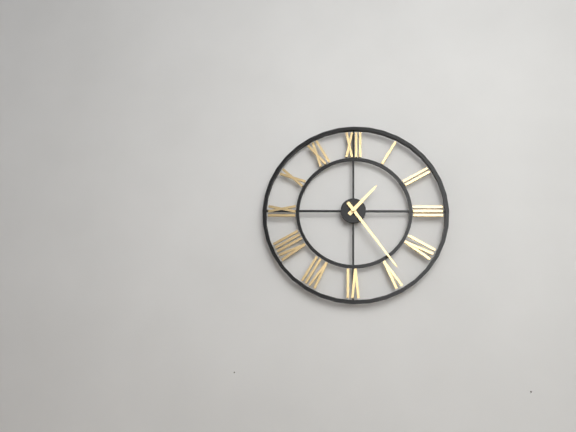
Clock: 1.24
